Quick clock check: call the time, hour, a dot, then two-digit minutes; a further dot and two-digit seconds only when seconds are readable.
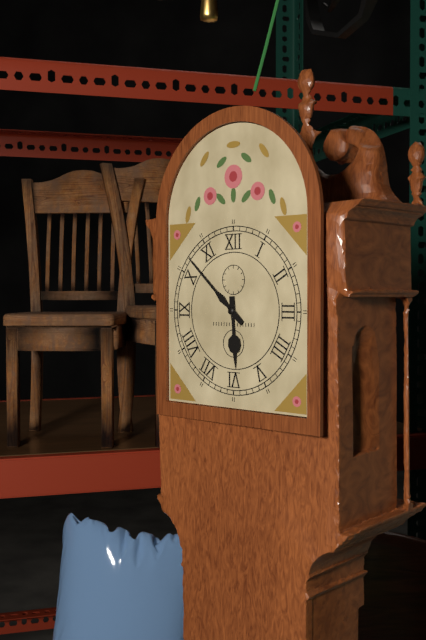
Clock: 5.52
